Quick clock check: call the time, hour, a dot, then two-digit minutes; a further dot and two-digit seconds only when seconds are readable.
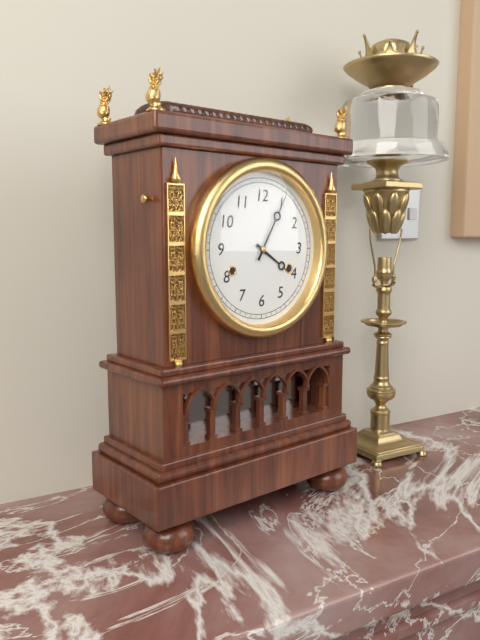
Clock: 4.05
